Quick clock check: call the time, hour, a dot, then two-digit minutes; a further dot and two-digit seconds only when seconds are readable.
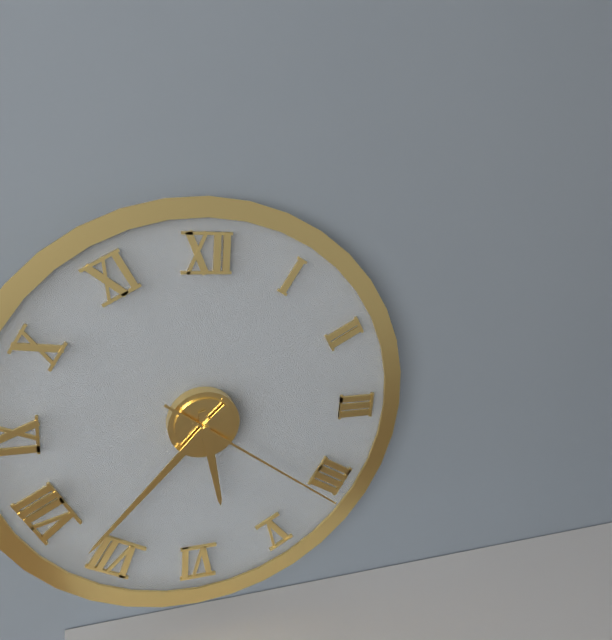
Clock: 5.37.21
